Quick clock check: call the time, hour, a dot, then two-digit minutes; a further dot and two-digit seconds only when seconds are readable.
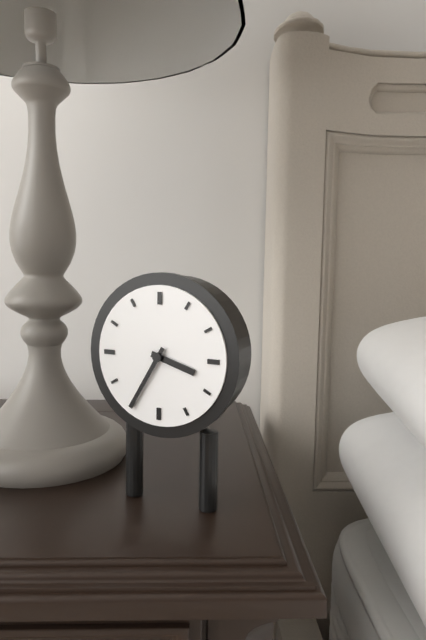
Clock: 3.35
